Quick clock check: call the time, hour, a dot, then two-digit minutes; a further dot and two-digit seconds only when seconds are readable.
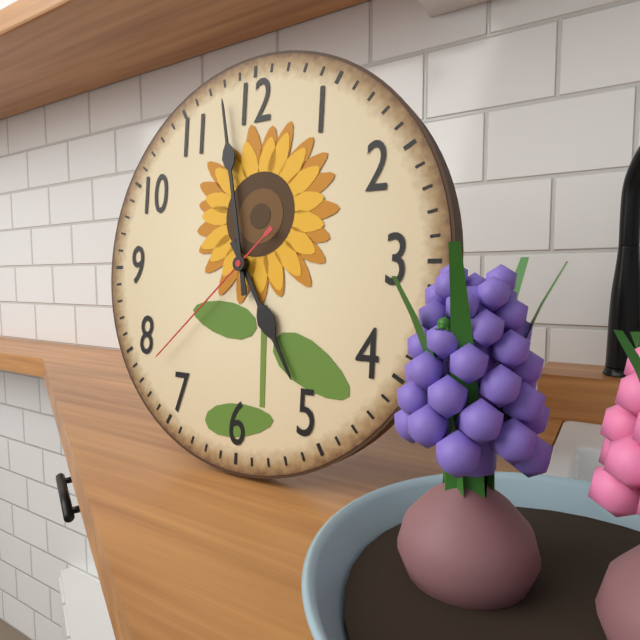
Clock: 4.58.38
